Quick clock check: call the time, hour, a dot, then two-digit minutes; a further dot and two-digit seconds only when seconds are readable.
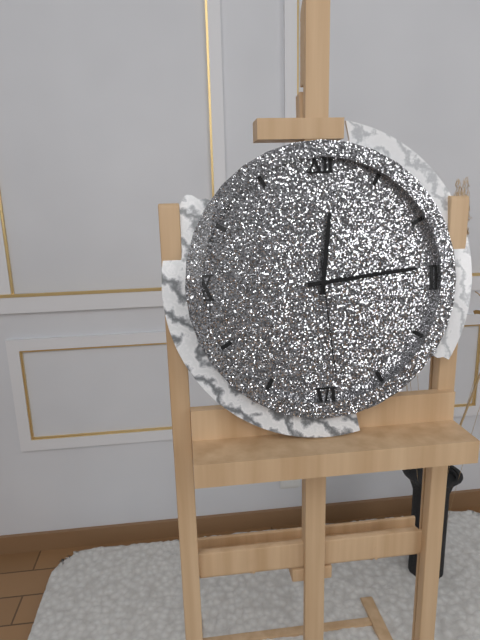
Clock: 12.14.29
